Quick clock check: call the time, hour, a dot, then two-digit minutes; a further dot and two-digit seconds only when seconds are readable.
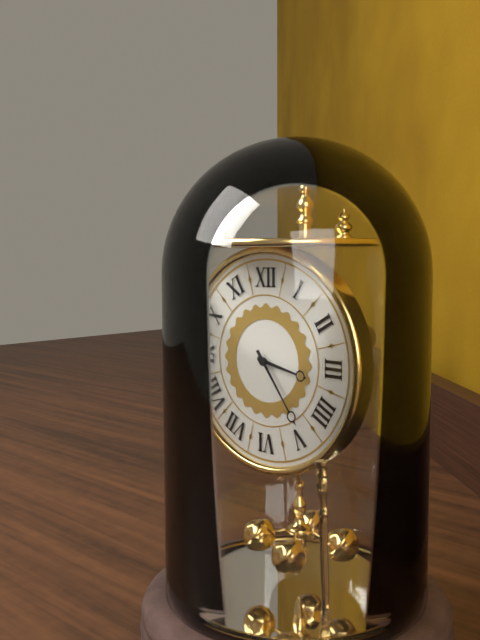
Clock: 3.24
